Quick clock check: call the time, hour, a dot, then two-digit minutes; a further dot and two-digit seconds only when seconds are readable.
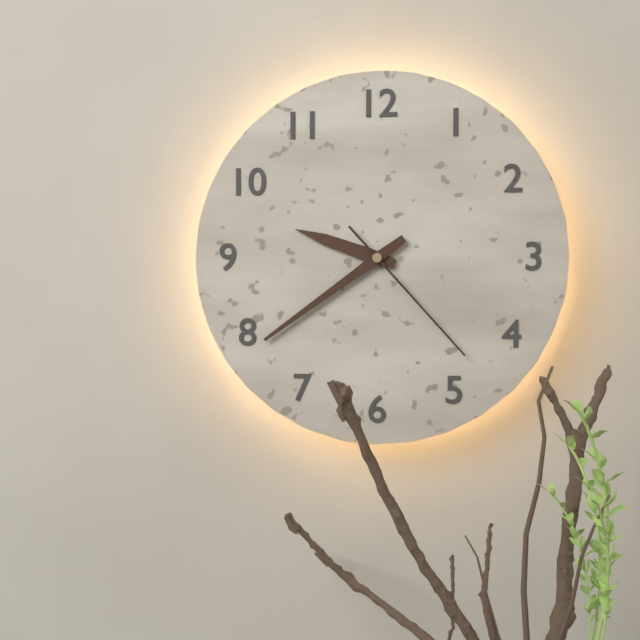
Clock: 9.39.23
